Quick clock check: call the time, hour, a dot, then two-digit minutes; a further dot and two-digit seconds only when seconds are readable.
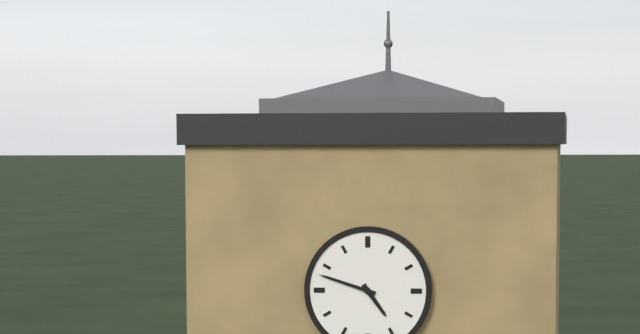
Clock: 4.48
